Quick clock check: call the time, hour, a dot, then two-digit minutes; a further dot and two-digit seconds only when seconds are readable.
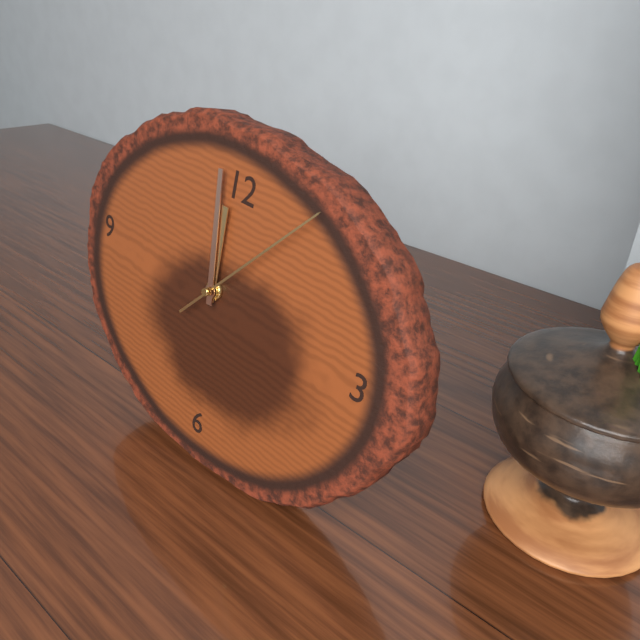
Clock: 11.59.07
